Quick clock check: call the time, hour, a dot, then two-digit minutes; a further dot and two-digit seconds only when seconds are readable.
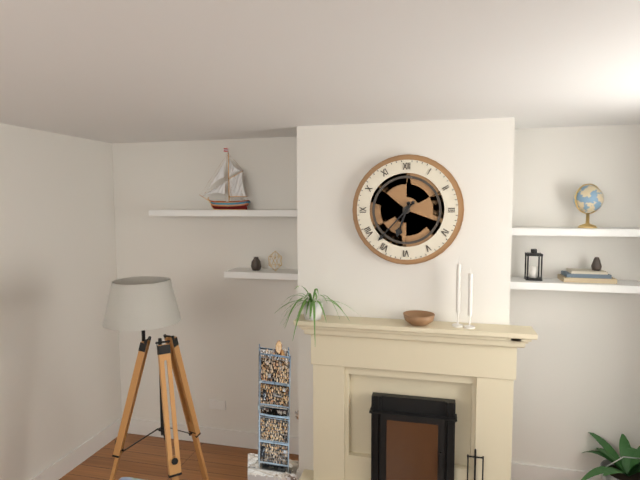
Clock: 6.37
